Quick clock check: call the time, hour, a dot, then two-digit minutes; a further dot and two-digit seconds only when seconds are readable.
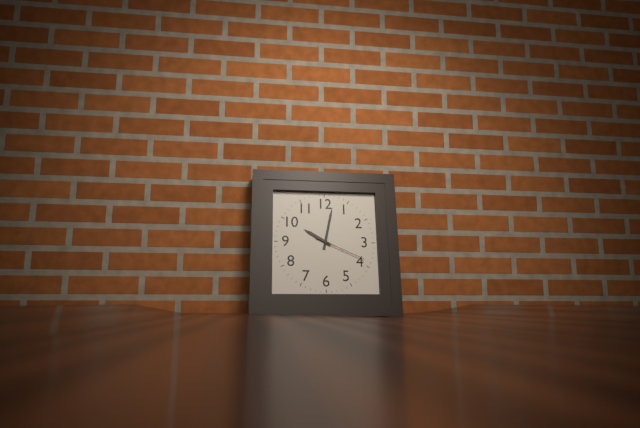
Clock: 10.02.19
